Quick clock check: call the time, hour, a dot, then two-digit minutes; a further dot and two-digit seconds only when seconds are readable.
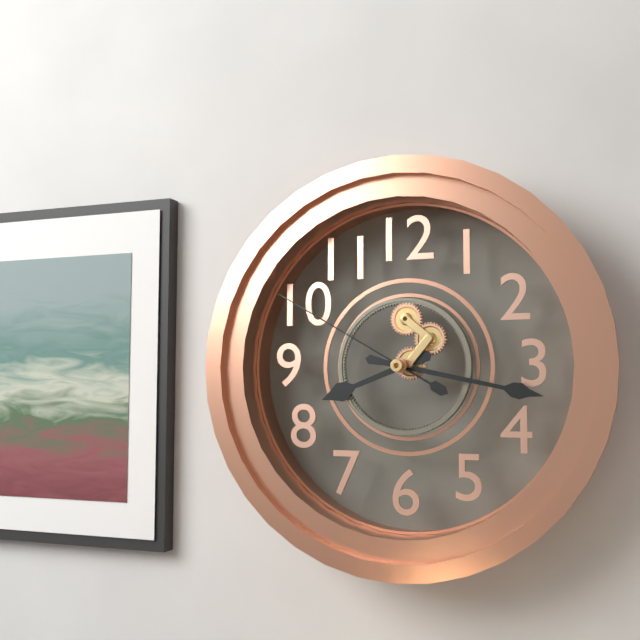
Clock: 8.17.50
